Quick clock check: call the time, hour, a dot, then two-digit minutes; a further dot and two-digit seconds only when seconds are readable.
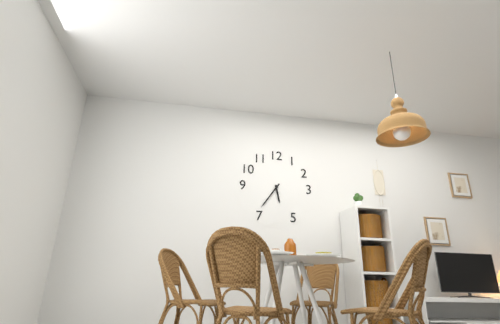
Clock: 5.36
